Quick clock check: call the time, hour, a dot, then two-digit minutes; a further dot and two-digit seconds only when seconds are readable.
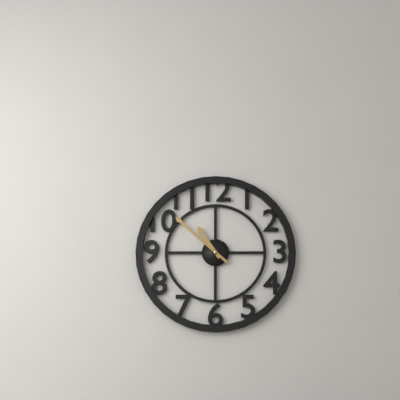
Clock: 10.52
